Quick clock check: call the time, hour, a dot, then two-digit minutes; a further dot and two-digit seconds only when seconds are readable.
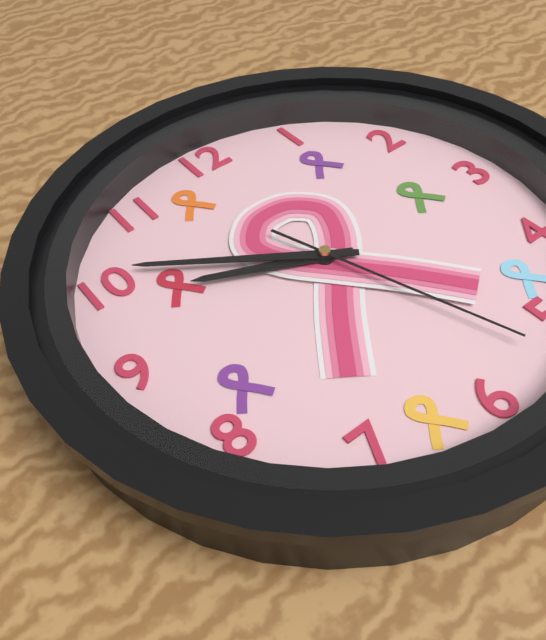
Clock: 9.51.27
